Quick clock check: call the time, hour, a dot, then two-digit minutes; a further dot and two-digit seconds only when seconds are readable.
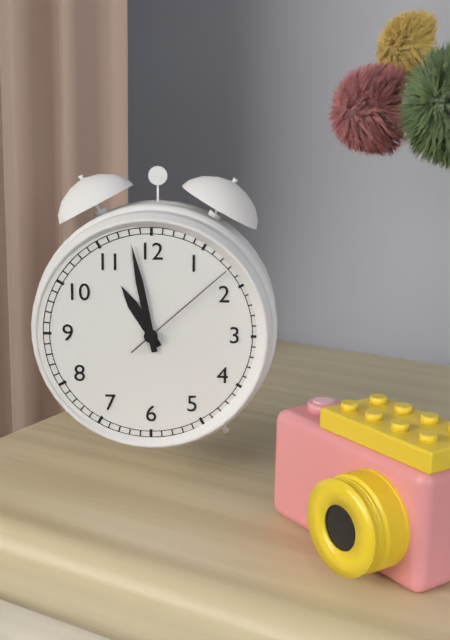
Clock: 10.58.08
